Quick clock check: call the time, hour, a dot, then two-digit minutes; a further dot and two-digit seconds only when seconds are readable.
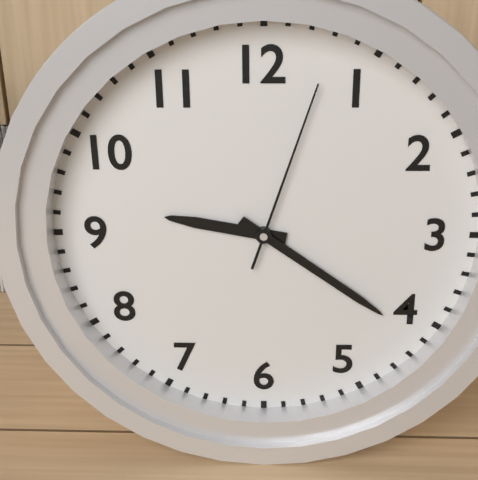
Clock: 9.21.03
